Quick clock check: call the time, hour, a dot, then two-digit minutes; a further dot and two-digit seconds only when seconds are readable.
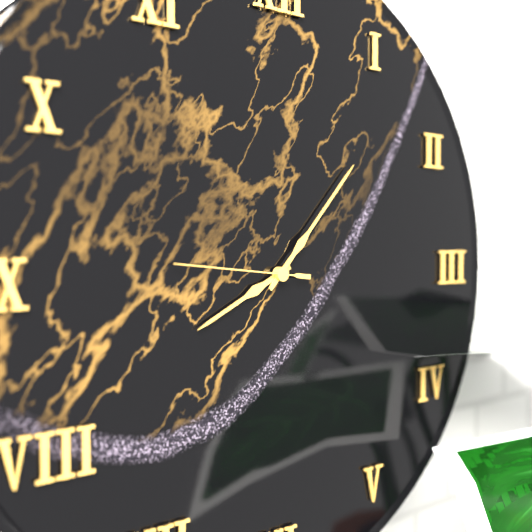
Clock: 8.07.46
